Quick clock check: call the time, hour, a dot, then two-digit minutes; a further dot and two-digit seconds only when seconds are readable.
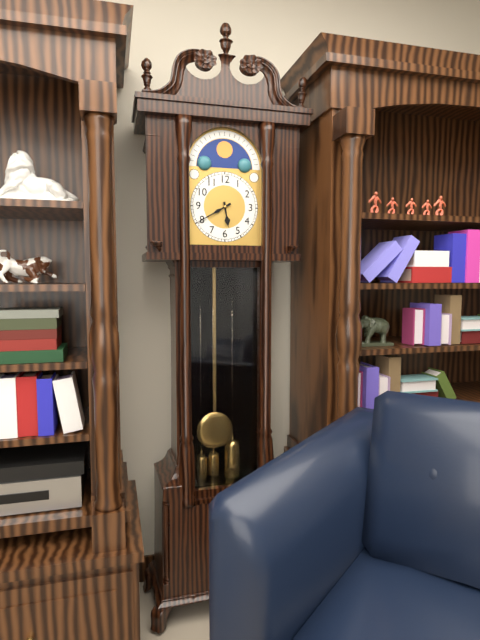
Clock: 5.40
